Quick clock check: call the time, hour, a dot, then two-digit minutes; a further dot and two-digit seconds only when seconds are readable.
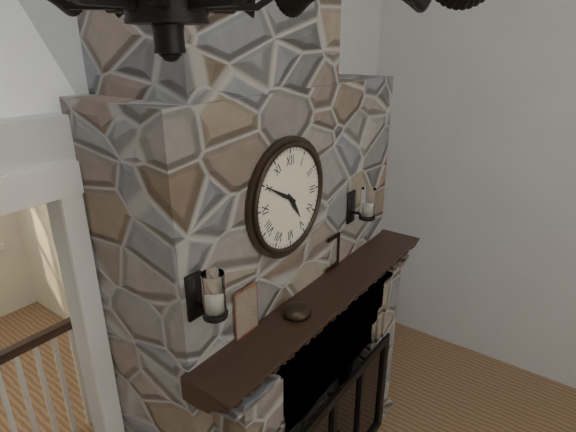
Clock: 4.50
